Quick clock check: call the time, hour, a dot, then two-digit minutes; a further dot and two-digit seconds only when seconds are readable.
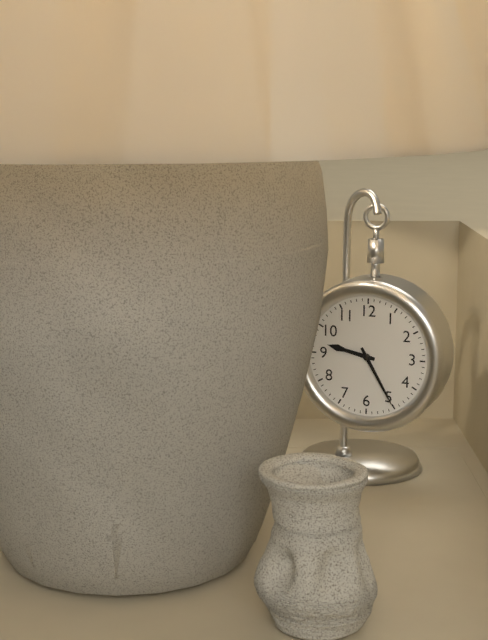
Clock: 9.25
